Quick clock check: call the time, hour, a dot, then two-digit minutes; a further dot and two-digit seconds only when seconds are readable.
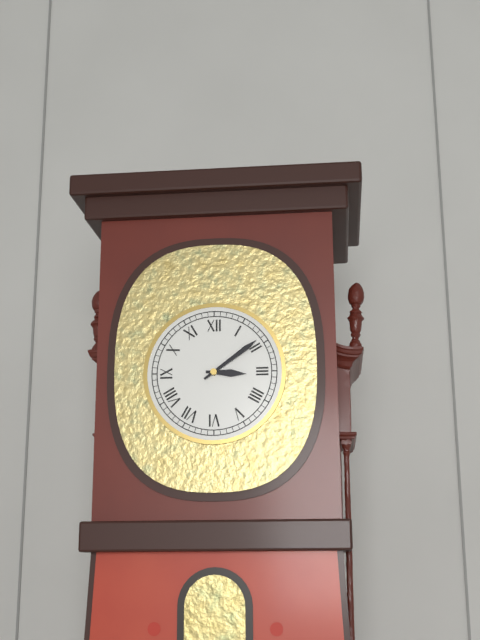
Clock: 3.09
